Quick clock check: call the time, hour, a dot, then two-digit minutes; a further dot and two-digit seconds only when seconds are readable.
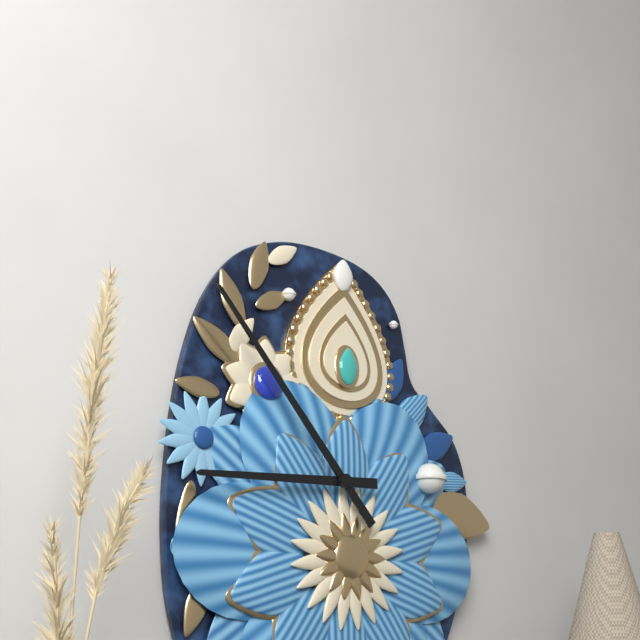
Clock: 8.53
